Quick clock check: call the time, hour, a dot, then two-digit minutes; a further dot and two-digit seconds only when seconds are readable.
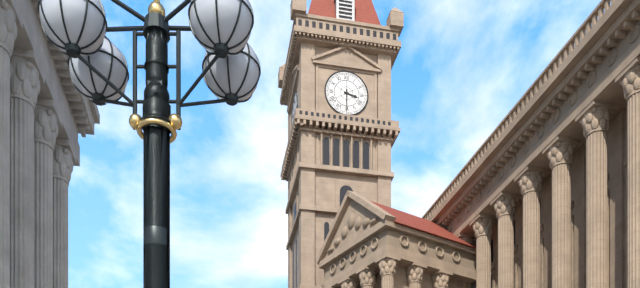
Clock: 3.30
